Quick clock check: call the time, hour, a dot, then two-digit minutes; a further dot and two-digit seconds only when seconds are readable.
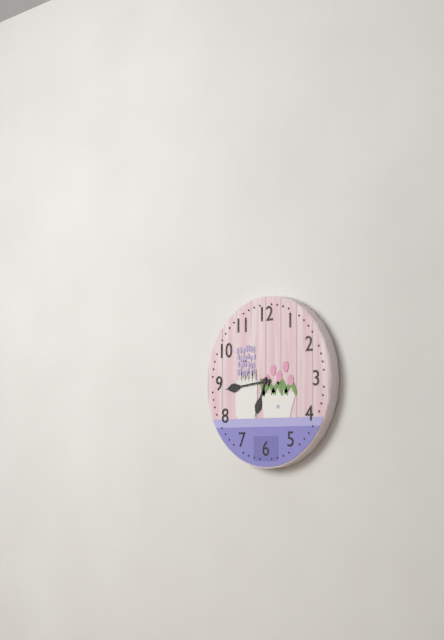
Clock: 6.44
